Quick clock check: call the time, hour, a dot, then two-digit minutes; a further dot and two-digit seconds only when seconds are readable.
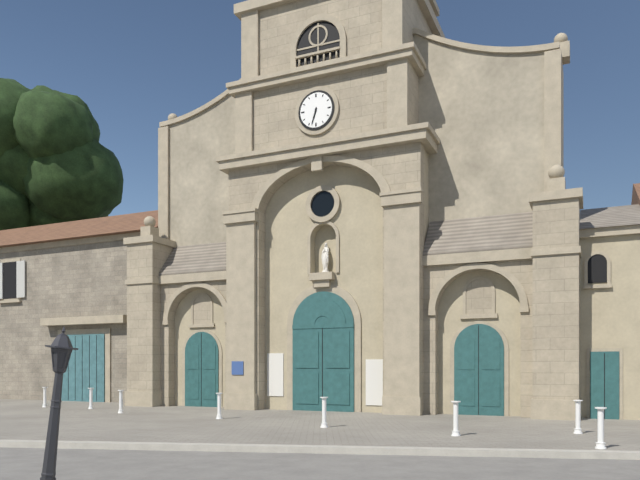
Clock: 6.33
